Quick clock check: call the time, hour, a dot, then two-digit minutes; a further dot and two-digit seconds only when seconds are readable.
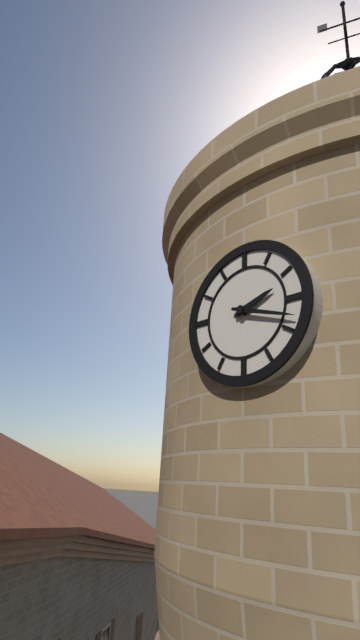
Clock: 2.18
